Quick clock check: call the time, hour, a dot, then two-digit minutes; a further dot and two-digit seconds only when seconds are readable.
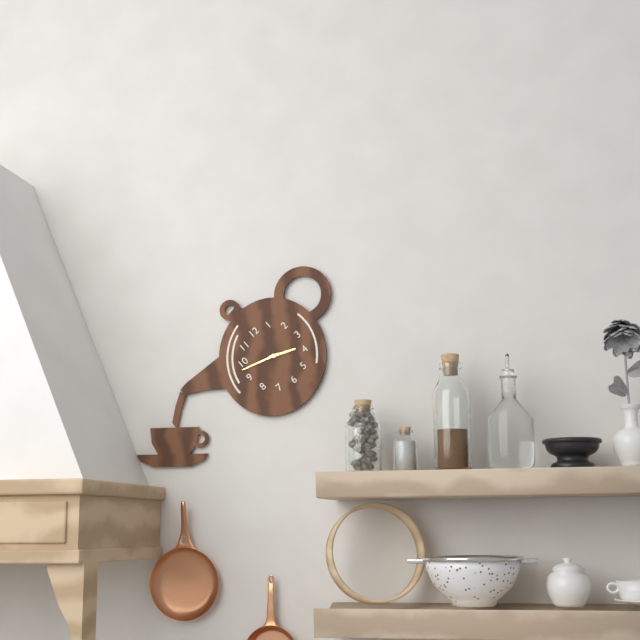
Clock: 3.48
